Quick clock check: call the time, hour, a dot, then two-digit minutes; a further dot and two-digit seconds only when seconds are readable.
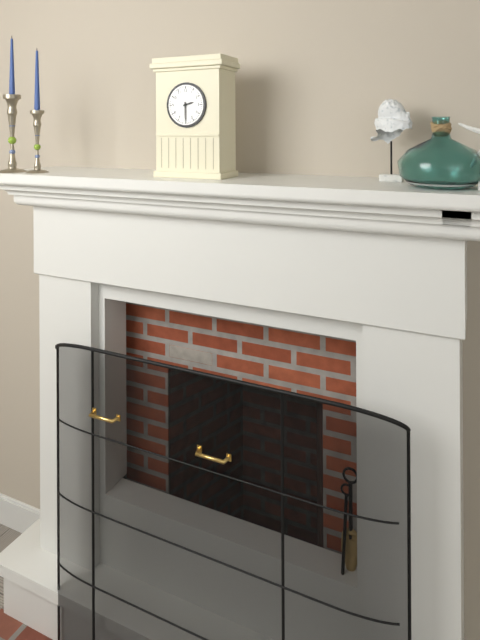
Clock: 2.30
